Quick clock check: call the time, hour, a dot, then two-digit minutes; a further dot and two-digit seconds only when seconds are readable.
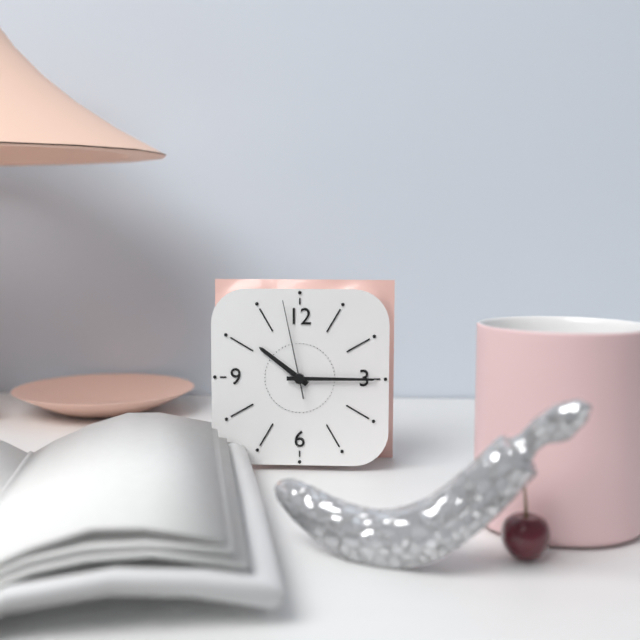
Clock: 10.15.58
